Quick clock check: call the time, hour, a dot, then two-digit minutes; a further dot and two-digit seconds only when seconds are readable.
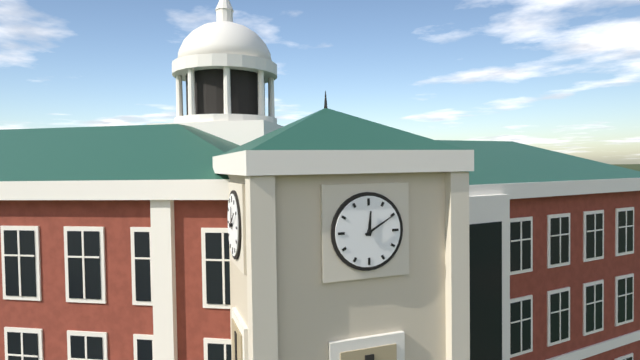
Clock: 12.10
